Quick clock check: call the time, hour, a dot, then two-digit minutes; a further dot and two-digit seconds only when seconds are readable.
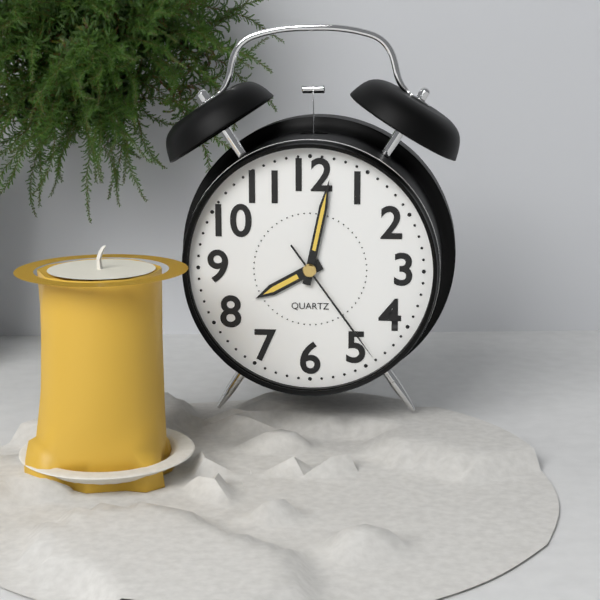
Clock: 8.02.24
